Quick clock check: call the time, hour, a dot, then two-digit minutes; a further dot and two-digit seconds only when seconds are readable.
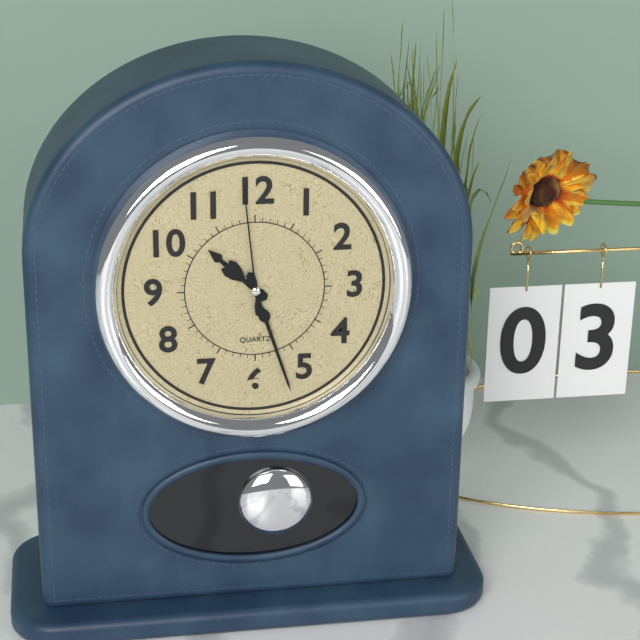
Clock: 10.27.59
